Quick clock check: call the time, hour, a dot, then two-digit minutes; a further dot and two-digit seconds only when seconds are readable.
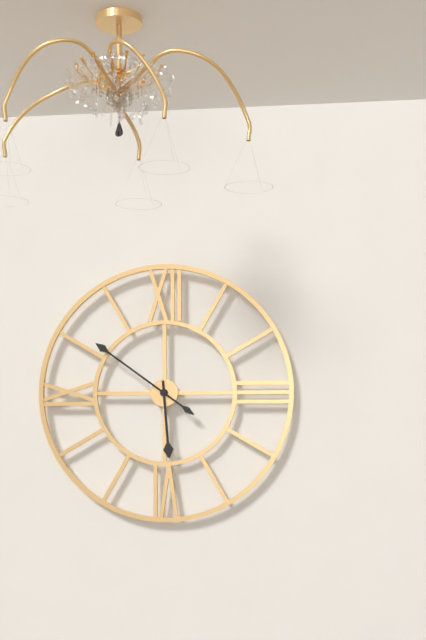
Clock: 5.51
